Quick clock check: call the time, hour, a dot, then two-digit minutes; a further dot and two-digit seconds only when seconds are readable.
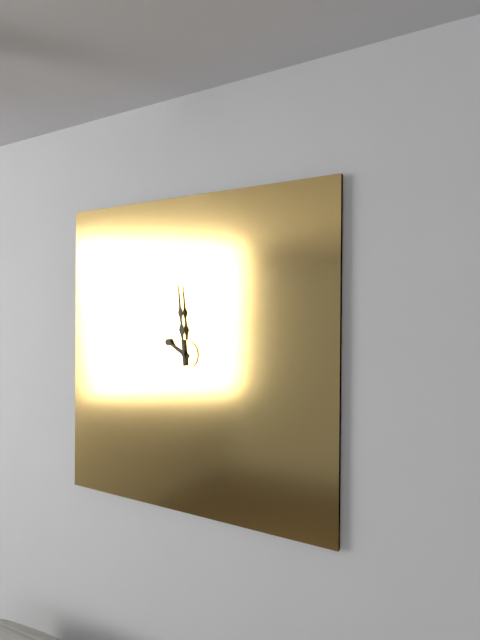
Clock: 9.59
